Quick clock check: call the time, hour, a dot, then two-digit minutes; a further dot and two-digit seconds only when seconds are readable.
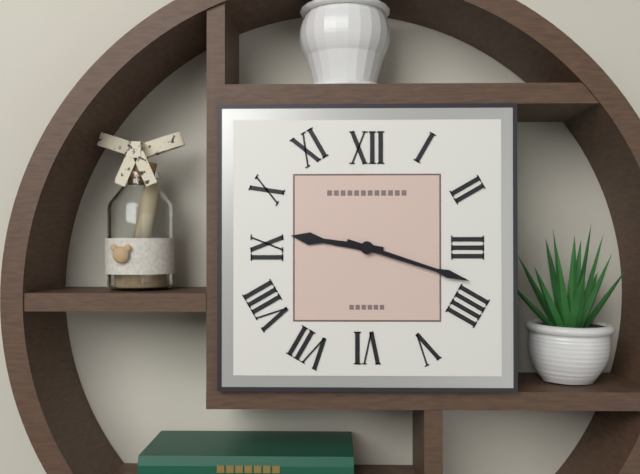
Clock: 9.18
